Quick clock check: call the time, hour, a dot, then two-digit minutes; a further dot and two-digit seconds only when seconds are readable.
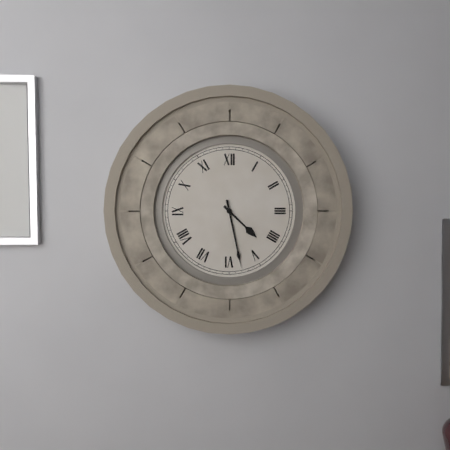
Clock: 4.28
